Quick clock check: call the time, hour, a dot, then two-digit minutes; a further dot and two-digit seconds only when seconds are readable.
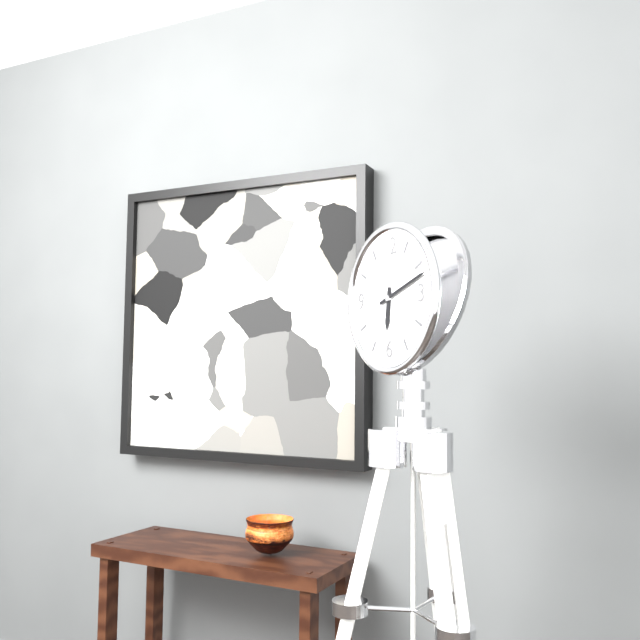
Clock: 6.12
